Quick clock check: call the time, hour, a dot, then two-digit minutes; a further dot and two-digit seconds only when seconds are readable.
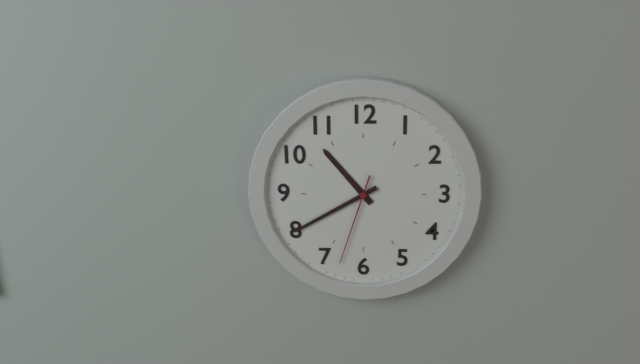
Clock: 10.40.33
